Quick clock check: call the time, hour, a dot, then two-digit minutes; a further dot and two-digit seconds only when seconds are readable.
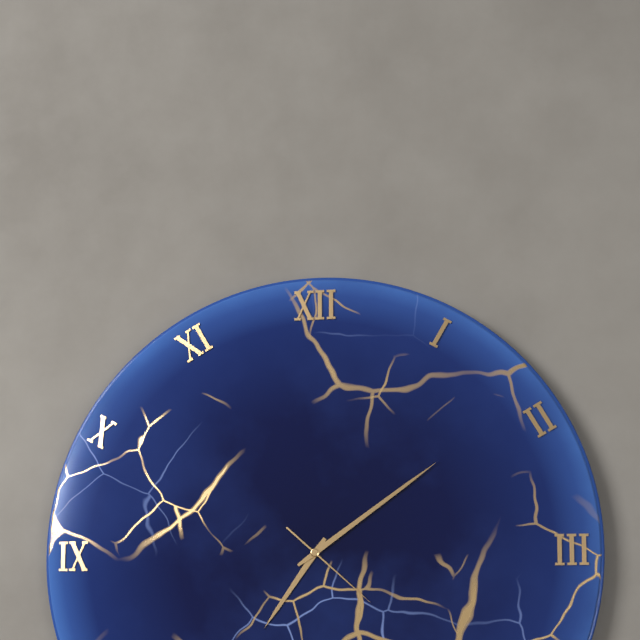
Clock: 7.09.22
